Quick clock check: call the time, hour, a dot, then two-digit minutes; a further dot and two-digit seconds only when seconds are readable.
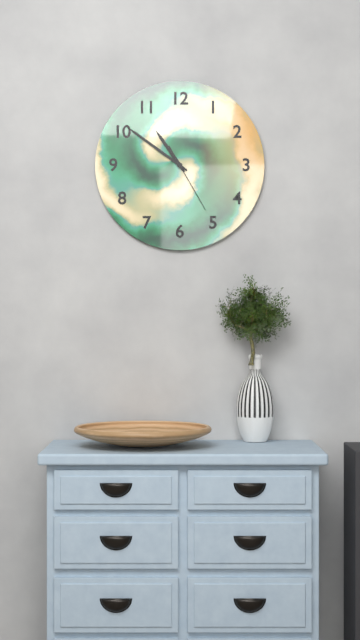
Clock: 10.51.25
